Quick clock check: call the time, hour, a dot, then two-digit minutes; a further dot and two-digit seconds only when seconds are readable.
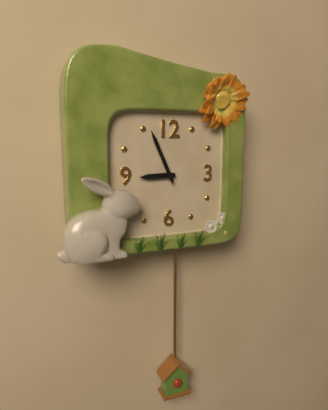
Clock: 8.56
